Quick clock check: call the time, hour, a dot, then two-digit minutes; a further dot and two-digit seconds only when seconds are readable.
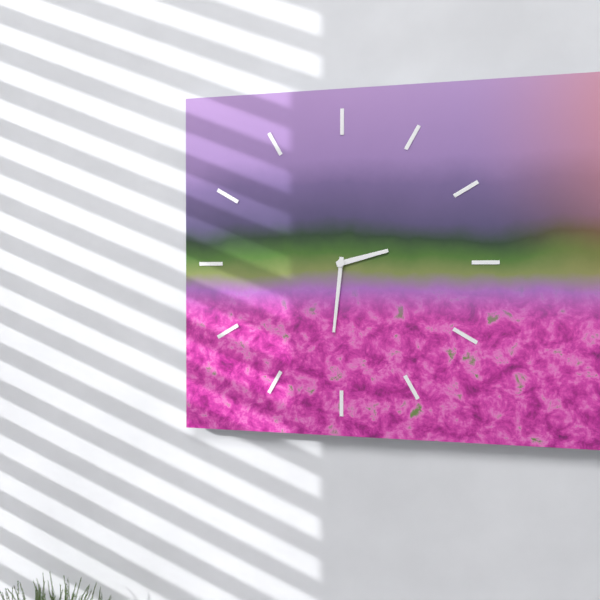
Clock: 2.31
